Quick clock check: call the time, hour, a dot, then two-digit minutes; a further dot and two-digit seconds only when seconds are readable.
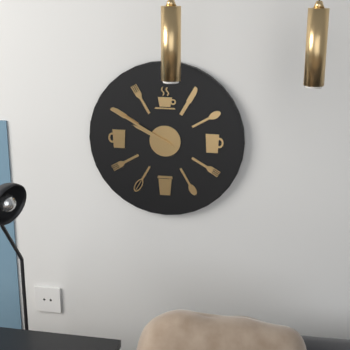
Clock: 9.50
